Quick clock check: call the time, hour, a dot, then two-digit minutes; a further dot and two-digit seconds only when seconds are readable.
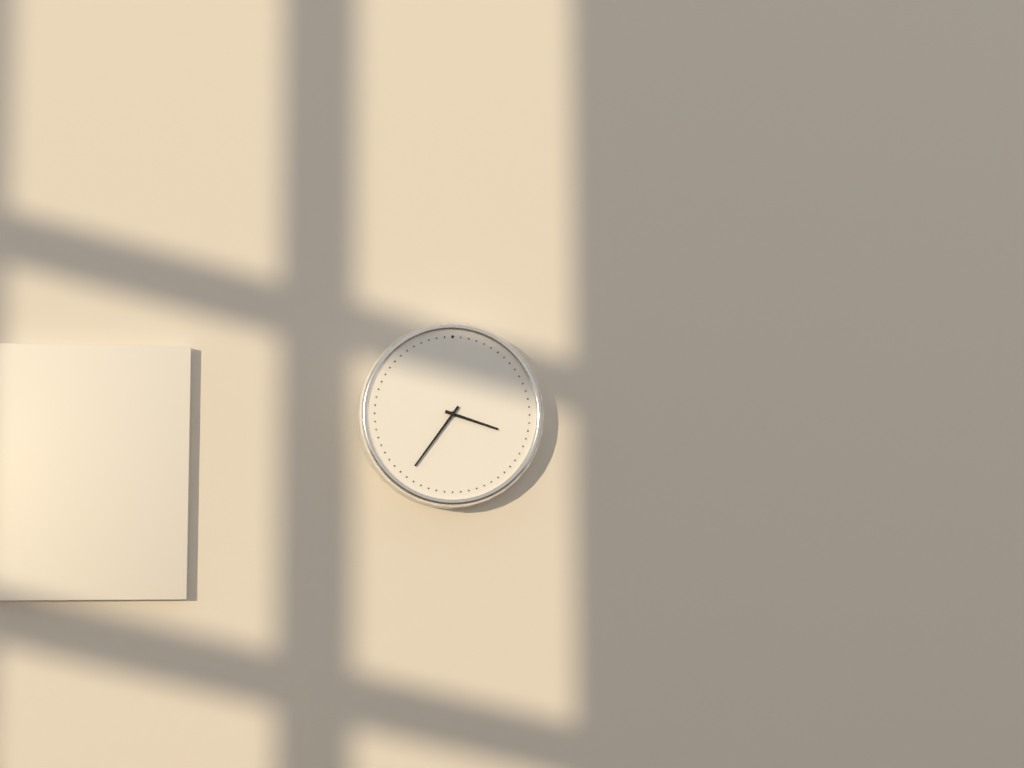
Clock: 3.36
